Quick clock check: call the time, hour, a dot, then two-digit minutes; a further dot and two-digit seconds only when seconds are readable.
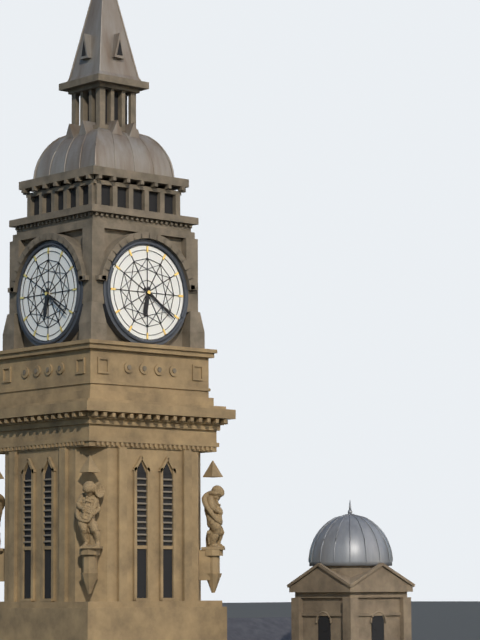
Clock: 6.21
